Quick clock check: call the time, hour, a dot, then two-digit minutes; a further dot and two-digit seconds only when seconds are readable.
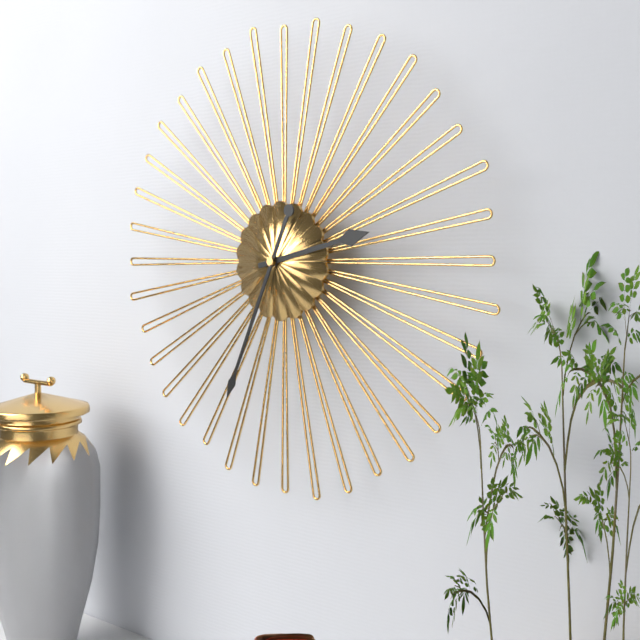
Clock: 2.34
